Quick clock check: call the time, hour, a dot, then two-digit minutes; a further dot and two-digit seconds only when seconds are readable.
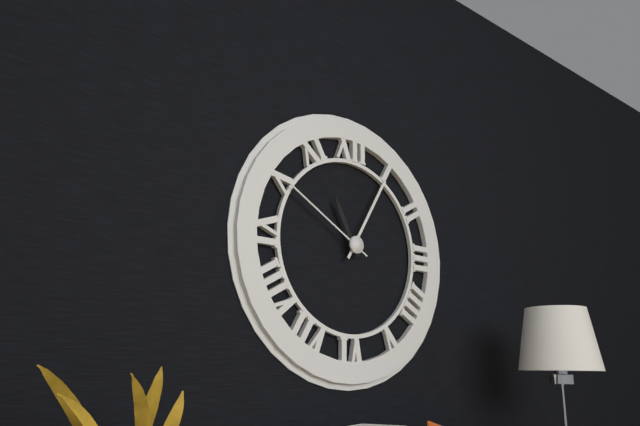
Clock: 11.05.50
